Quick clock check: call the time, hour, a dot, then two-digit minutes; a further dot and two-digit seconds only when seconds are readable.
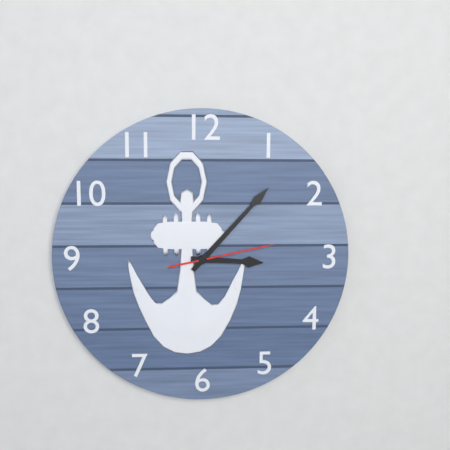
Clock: 3.07.13
